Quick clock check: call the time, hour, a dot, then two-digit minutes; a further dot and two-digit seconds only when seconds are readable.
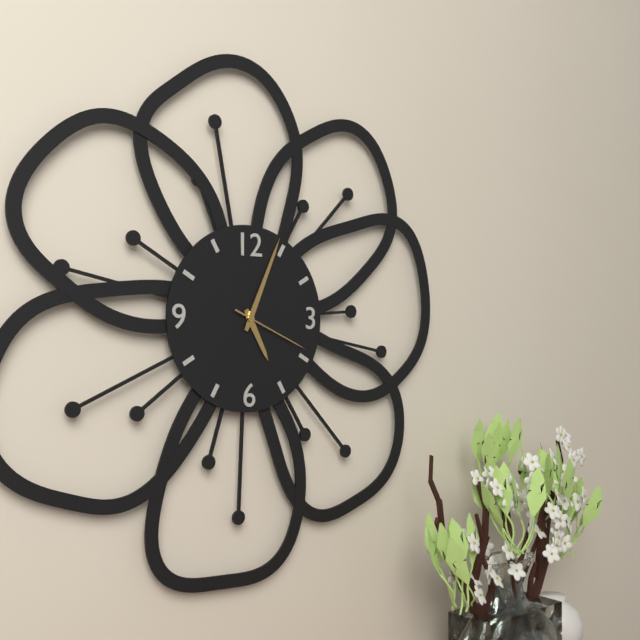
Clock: 5.04.19
